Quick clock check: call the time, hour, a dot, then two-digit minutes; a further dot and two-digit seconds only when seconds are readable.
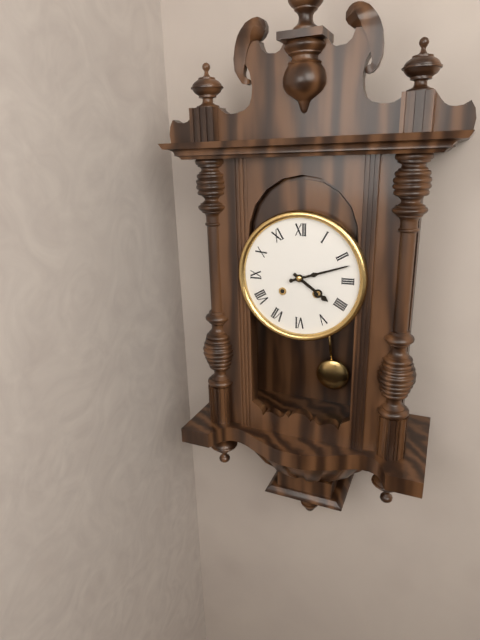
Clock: 4.12
